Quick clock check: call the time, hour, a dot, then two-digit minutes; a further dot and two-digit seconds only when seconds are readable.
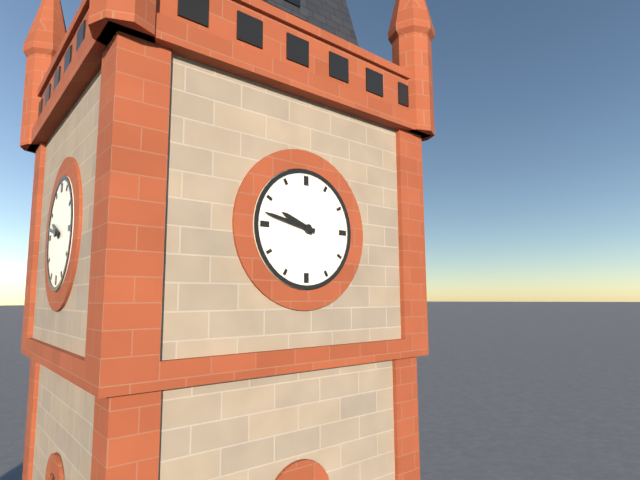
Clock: 9.47
